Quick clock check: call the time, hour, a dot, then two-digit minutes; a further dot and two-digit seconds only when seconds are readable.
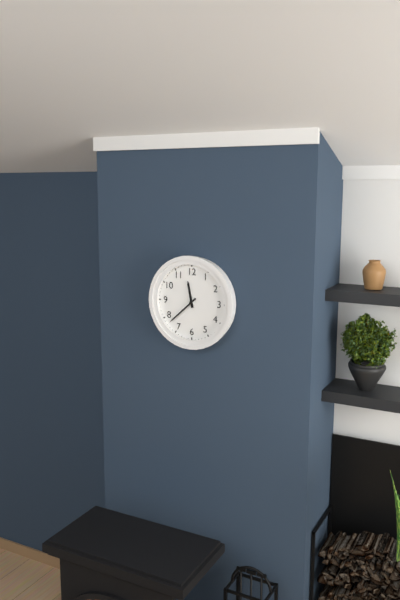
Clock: 11.38
